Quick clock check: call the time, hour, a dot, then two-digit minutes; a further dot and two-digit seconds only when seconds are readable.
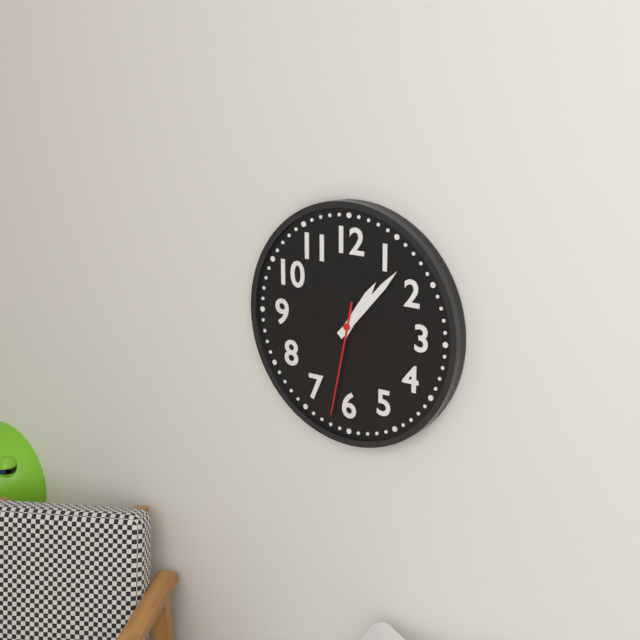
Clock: 1.07.32
